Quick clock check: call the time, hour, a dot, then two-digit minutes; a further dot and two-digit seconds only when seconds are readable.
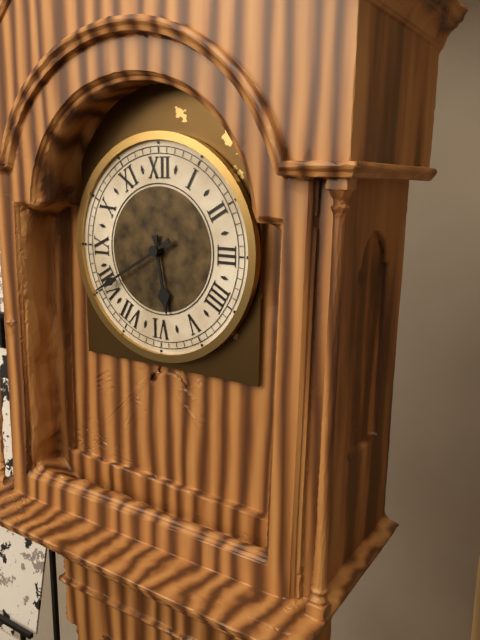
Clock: 5.40
